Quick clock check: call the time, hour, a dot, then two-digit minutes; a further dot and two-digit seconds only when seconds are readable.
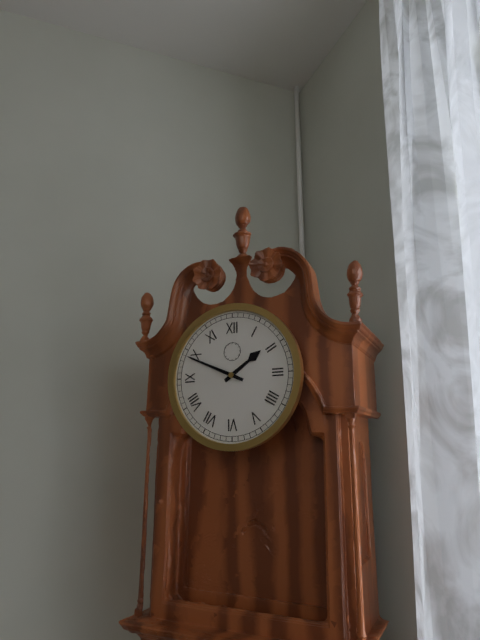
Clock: 1.49
